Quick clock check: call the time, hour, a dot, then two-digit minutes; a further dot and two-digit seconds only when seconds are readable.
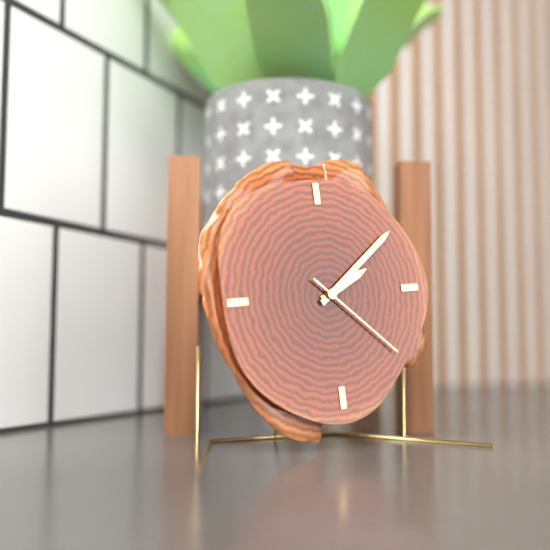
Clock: 2.09.22
